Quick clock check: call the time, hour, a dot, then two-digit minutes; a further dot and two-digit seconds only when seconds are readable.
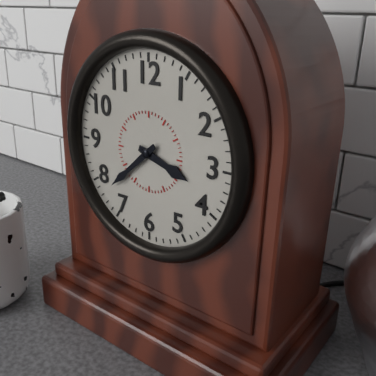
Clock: 3.38
